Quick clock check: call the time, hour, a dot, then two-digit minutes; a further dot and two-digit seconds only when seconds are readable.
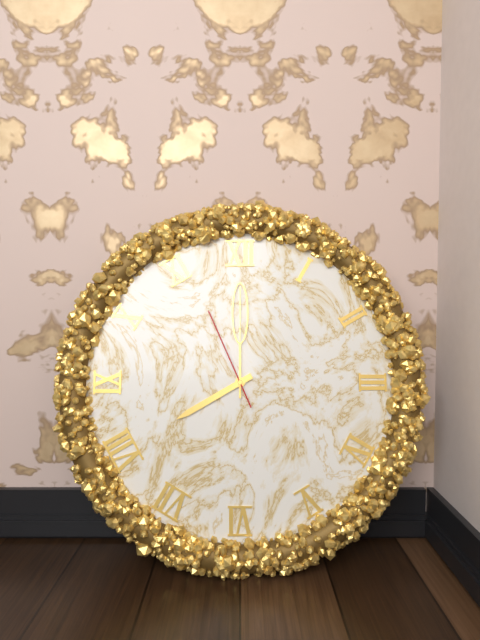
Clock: 8.00.56
